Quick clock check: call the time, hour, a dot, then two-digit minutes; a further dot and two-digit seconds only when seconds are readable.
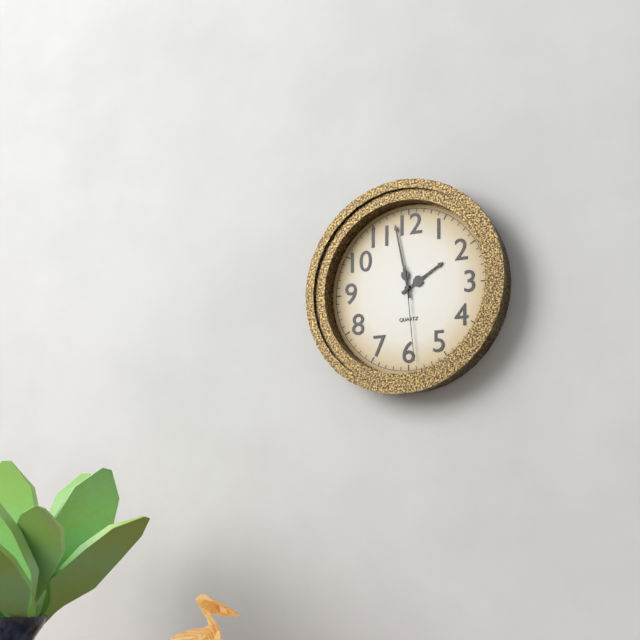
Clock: 1.58.29
